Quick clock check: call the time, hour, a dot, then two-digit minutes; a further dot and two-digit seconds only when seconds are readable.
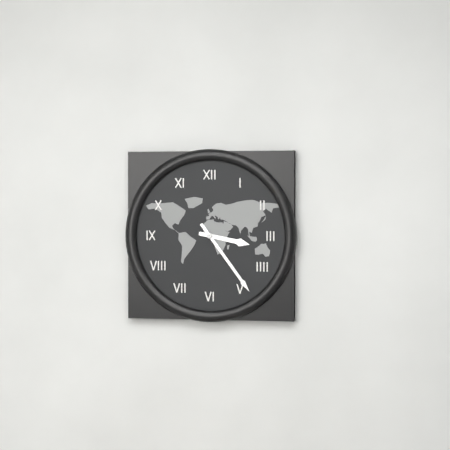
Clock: 3.24
